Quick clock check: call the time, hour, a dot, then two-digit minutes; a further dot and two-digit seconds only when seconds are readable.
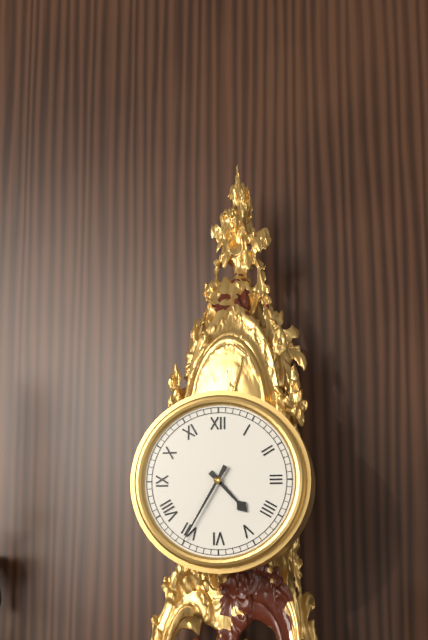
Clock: 4.35
